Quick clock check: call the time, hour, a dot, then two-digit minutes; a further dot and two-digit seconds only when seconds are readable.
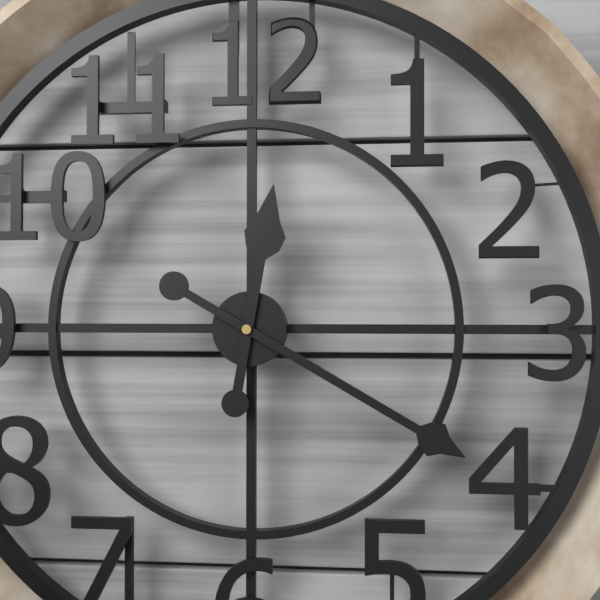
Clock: 12.20
